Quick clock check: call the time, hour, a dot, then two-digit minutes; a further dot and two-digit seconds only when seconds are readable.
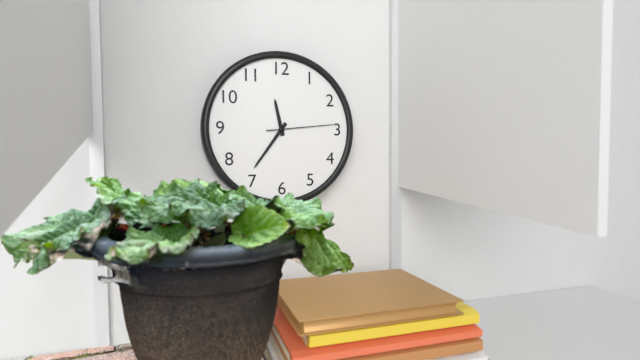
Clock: 11.36.14
